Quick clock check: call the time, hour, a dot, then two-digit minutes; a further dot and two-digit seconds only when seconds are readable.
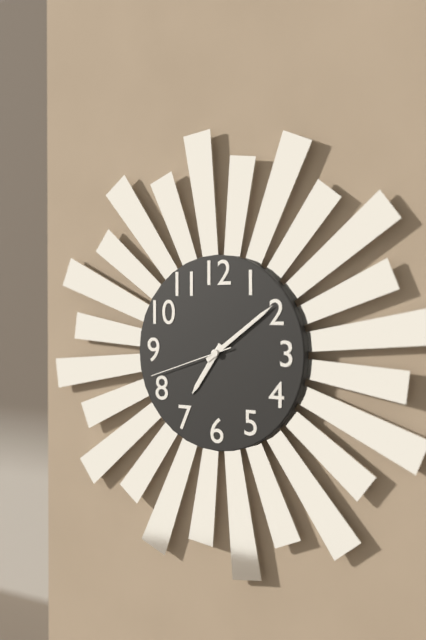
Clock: 7.09.42
